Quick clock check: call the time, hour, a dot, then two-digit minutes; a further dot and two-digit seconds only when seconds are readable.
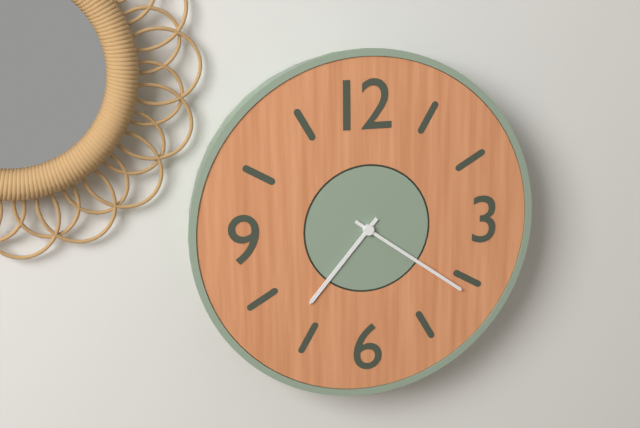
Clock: 7.21
